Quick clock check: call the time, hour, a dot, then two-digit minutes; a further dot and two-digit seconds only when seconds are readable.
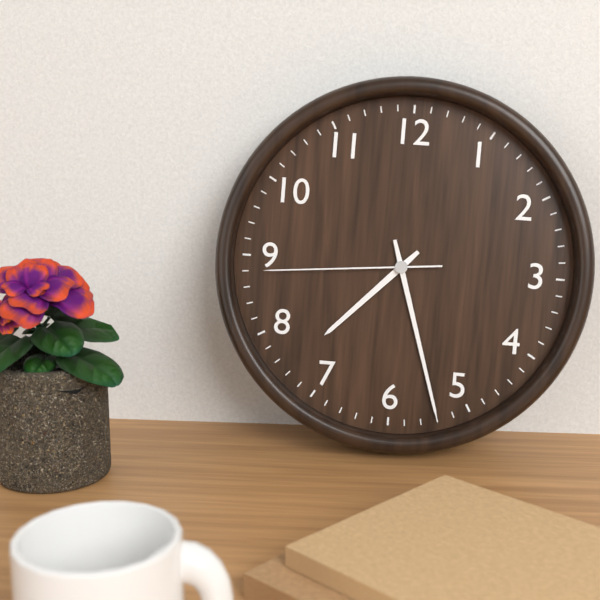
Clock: 7.27.44
